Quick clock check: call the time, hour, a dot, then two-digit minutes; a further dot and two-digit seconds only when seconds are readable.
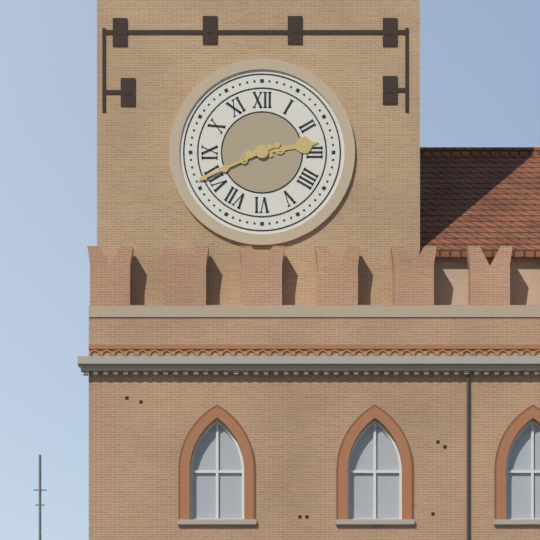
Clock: 2.41
